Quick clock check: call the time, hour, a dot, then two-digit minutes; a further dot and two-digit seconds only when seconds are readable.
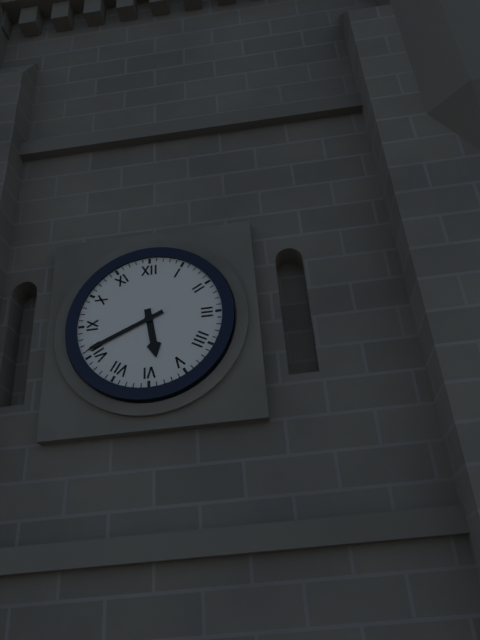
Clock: 5.41
